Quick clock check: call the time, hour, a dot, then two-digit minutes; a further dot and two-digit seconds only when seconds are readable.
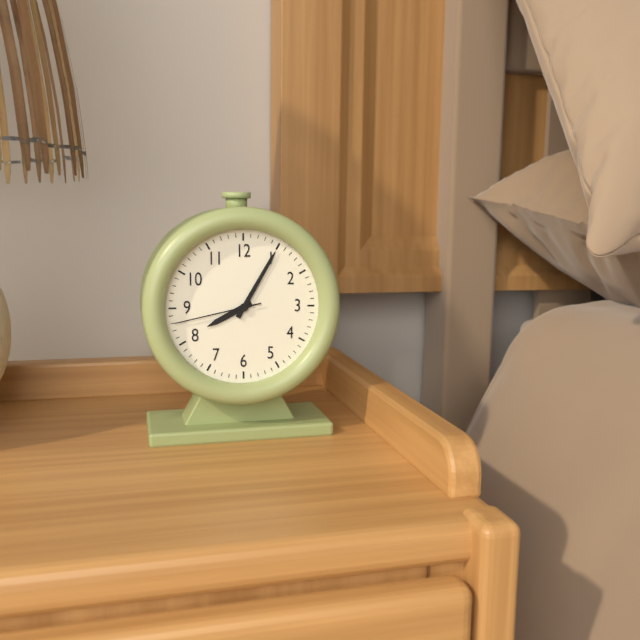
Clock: 8.05.43
